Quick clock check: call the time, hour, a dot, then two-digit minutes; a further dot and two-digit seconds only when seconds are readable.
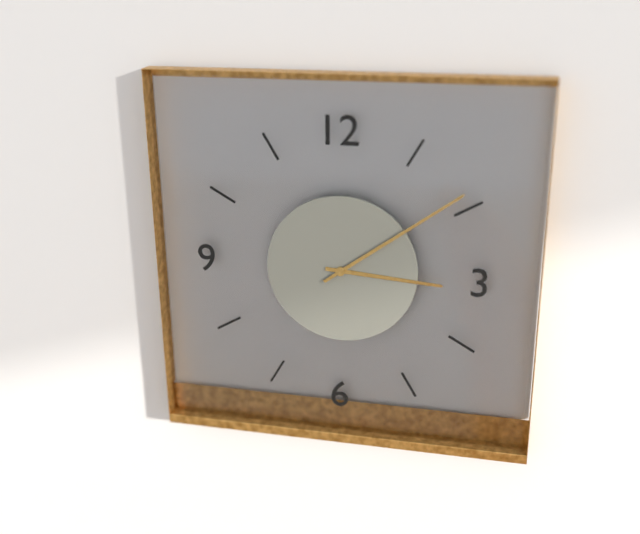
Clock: 3.09
